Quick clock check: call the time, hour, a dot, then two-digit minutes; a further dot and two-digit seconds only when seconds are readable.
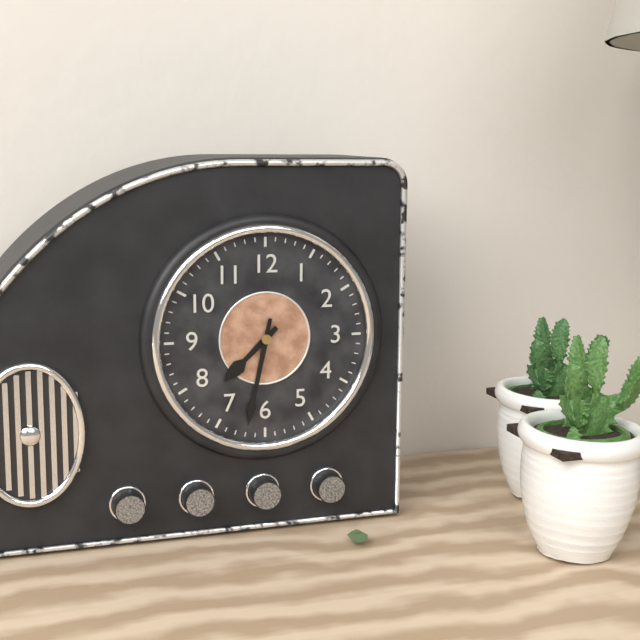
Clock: 7.32
